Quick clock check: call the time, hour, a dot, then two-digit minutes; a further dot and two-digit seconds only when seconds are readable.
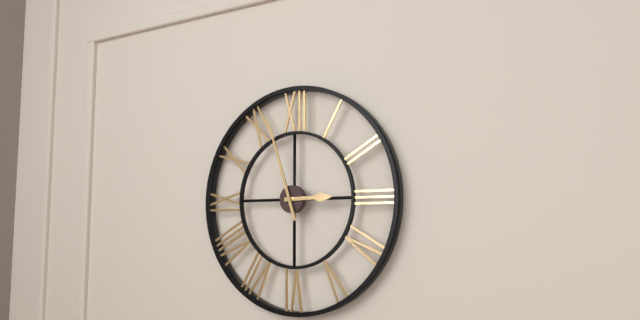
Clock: 2.57
